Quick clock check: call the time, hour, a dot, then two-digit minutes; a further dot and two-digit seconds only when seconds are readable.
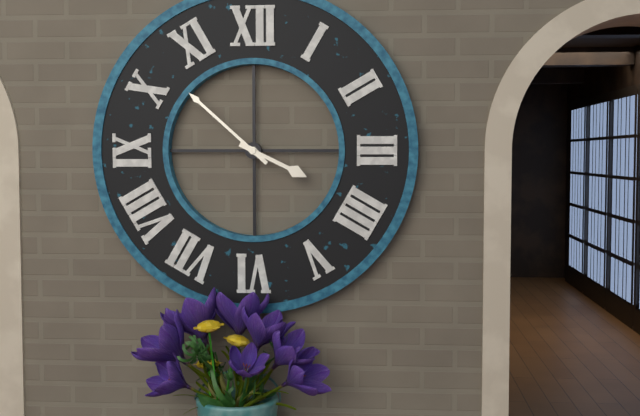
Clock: 3.52
